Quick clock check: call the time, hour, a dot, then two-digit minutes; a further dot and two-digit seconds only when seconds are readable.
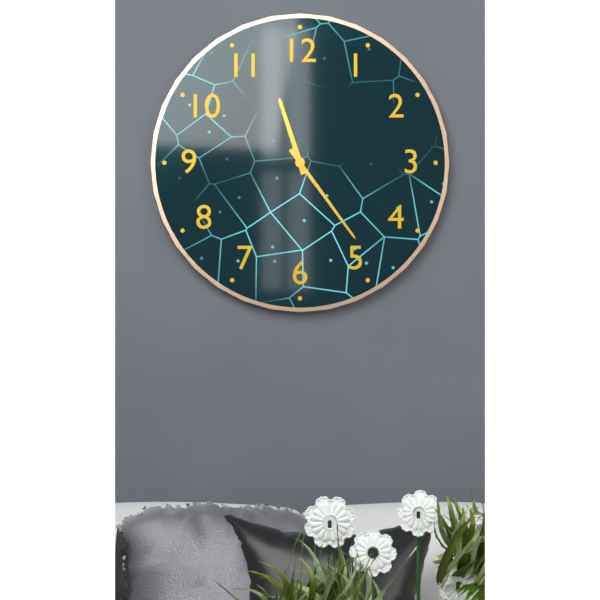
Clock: 11.24
